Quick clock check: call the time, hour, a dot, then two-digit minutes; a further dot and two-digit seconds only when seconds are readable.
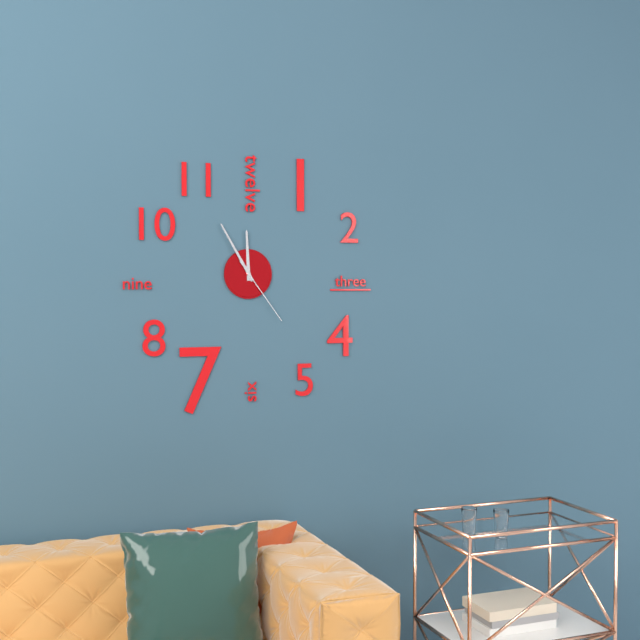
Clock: 11.55.24
